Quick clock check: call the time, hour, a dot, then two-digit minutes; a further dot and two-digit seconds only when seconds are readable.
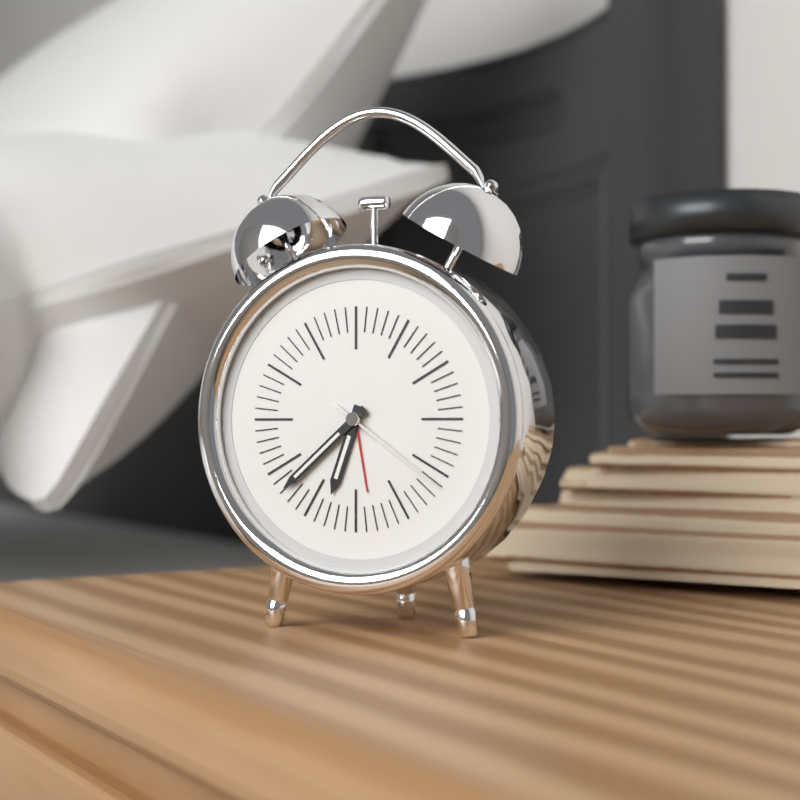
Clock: 6.38.21
